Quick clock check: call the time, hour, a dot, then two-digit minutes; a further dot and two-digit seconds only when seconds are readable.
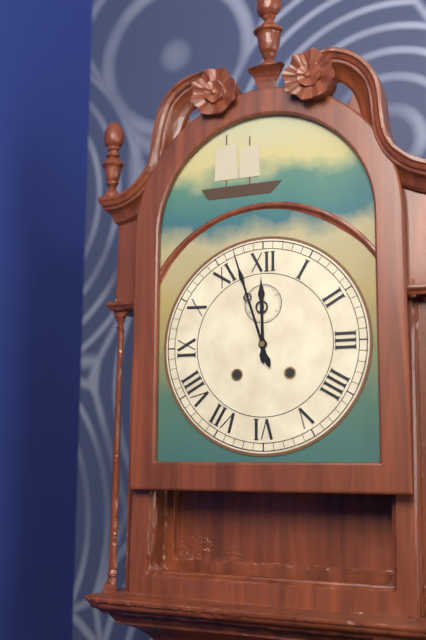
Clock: 11.57
